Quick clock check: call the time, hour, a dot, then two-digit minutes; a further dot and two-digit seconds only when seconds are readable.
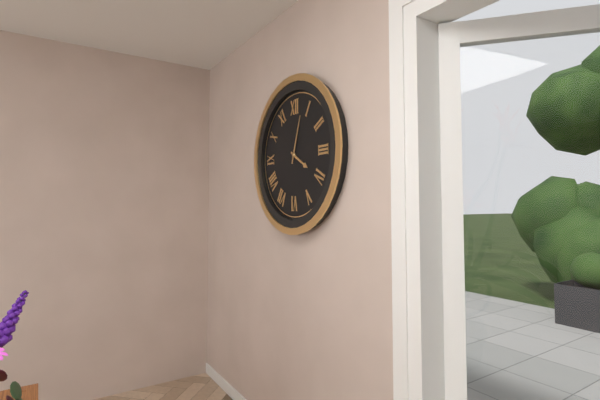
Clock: 4.03
